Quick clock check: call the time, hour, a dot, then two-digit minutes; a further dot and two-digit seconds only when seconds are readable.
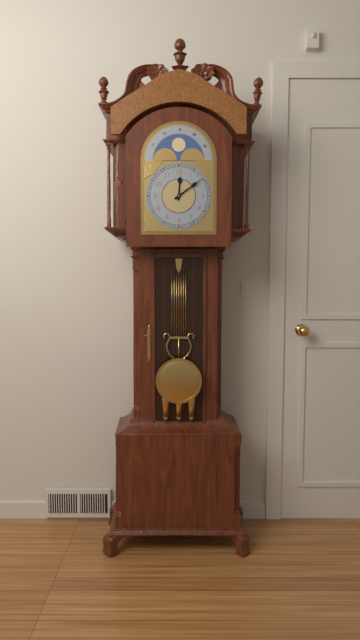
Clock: 12.09
